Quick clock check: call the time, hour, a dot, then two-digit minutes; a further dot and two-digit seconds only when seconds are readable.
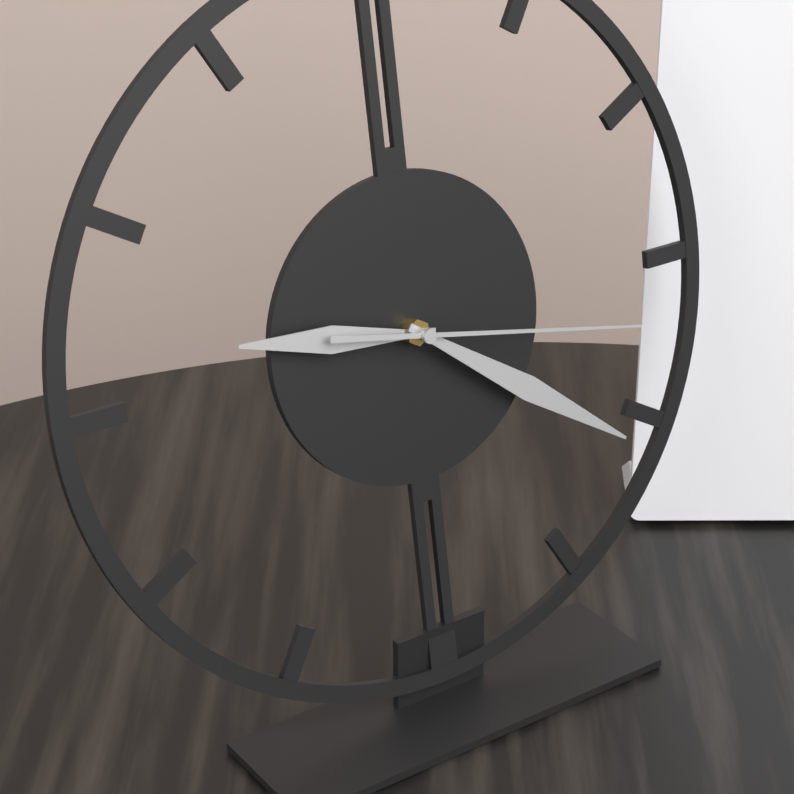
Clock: 9.21.17
